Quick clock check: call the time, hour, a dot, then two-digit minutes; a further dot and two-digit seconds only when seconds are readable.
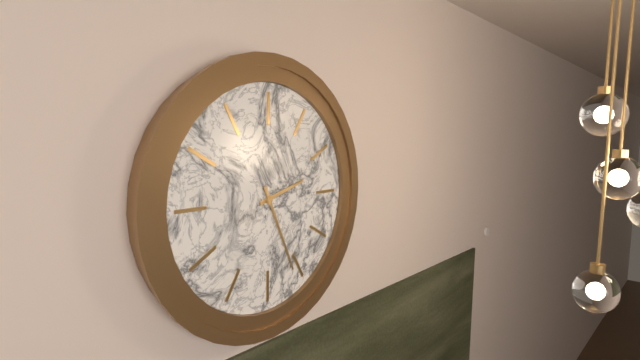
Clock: 2.26
